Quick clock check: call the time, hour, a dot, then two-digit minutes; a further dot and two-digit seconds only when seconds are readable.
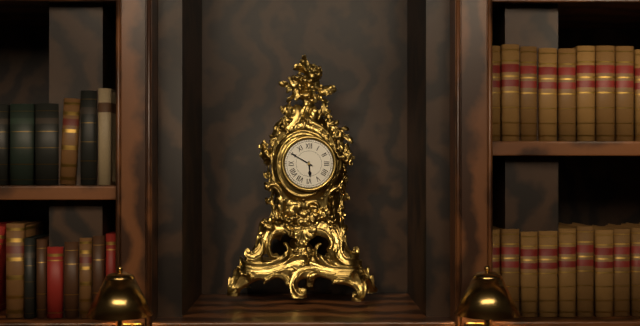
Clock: 5.50
